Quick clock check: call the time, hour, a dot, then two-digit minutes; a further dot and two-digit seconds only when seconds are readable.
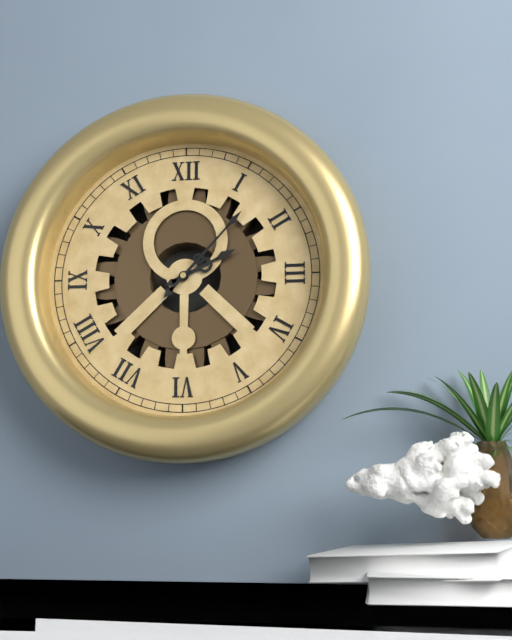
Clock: 2.07
